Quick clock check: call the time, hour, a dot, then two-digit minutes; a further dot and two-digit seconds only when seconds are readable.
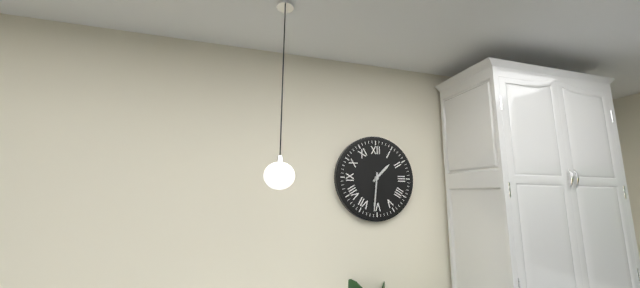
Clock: 1.31
